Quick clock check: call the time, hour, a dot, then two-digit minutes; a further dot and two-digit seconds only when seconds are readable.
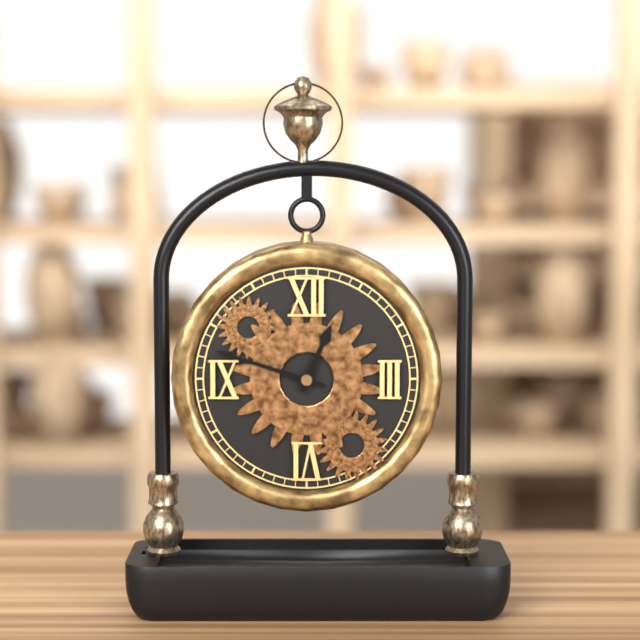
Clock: 12.48
